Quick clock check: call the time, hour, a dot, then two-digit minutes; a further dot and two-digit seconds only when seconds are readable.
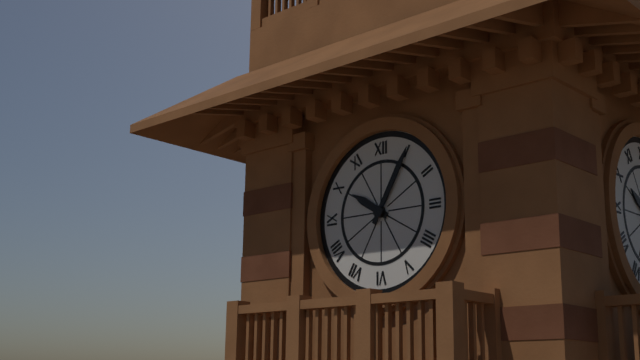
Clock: 10.05
